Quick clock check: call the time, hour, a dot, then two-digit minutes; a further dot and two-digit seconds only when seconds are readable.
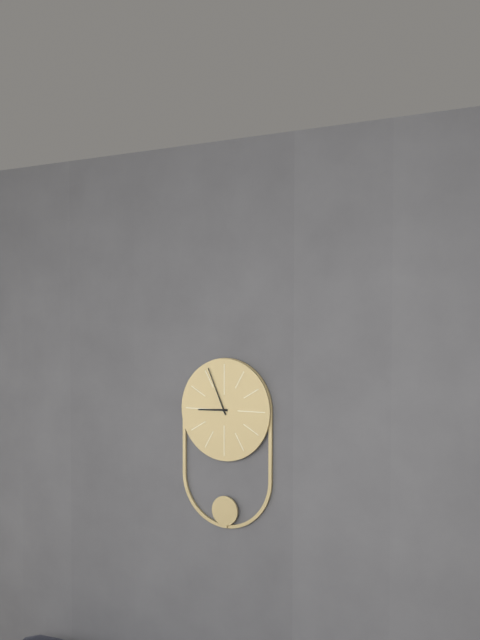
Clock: 8.56
